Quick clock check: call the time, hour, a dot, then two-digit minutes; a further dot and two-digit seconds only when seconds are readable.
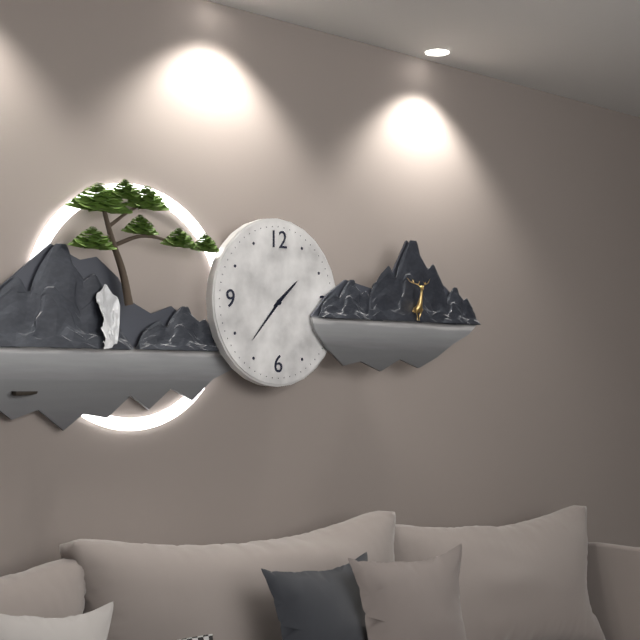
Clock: 1.37
